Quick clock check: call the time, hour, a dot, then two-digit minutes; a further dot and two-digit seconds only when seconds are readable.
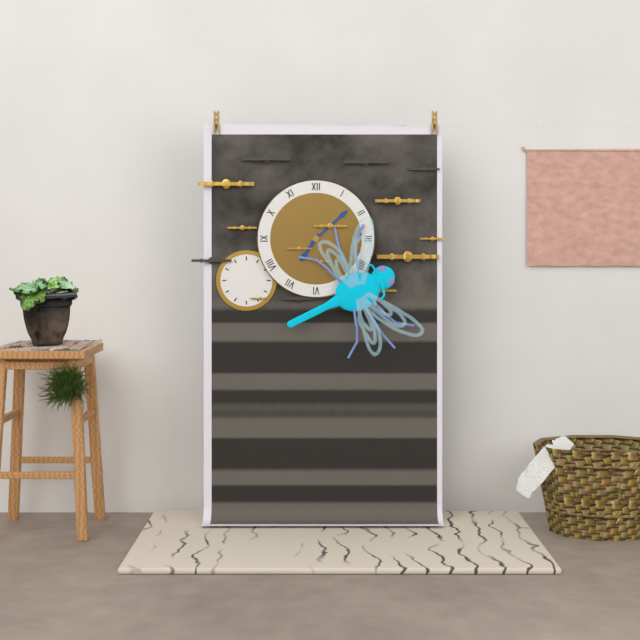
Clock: 7.08
